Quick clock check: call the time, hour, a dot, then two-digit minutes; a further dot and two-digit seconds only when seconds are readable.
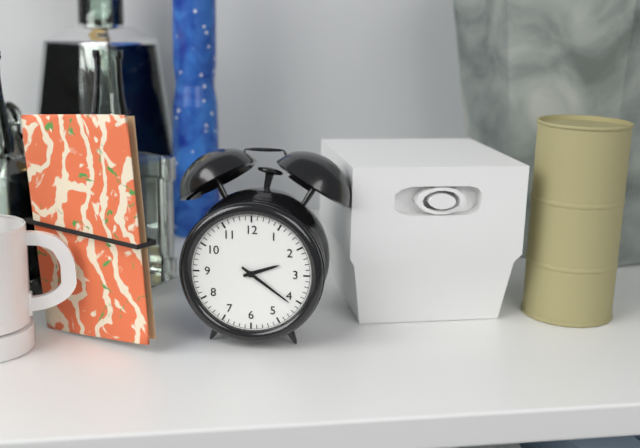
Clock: 2.21
